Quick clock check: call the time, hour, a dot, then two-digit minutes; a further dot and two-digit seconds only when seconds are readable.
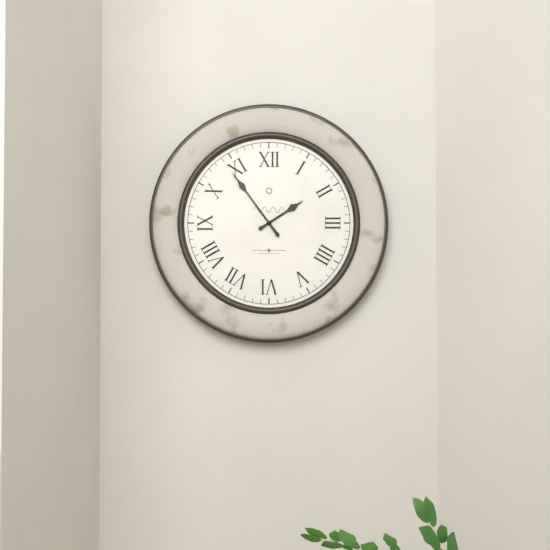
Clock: 1.54
